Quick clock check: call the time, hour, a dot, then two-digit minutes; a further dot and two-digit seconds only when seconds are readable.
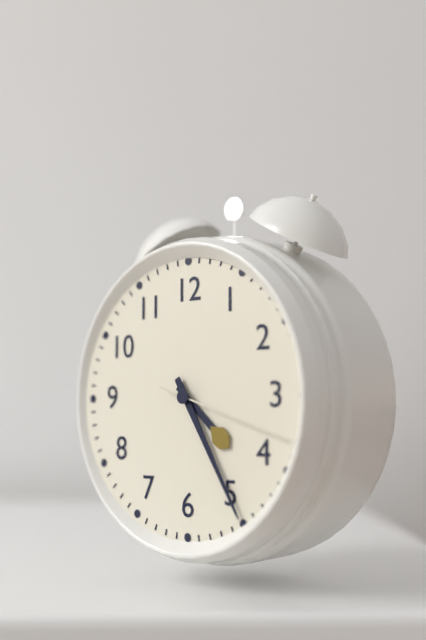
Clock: 4.25.18
